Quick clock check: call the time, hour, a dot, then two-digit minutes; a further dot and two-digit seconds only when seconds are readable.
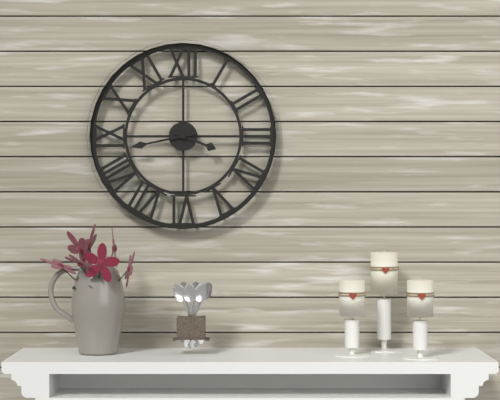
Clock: 3.43
